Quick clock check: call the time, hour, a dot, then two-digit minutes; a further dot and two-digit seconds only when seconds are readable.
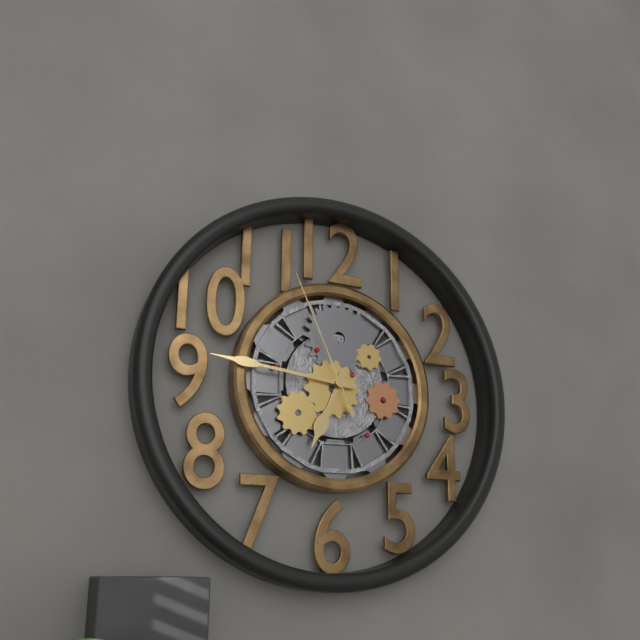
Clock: 6.46.56
